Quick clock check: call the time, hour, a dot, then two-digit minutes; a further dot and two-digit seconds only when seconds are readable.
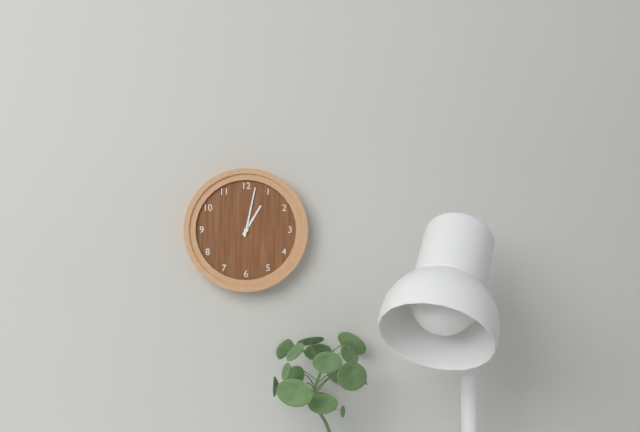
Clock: 1.02
